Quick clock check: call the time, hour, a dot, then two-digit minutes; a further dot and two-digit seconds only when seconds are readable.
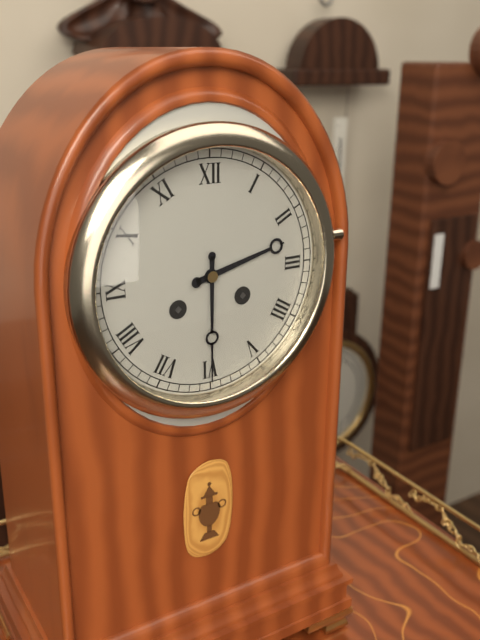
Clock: 2.30
